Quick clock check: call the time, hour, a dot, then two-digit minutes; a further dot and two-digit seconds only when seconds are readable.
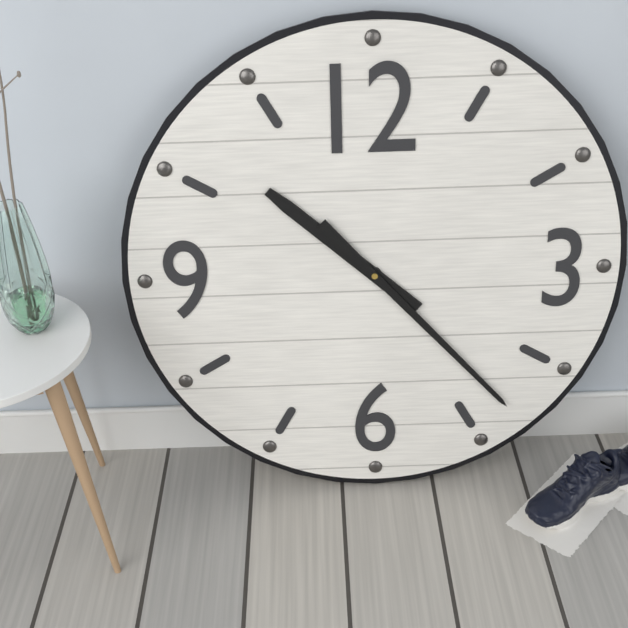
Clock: 10.23
